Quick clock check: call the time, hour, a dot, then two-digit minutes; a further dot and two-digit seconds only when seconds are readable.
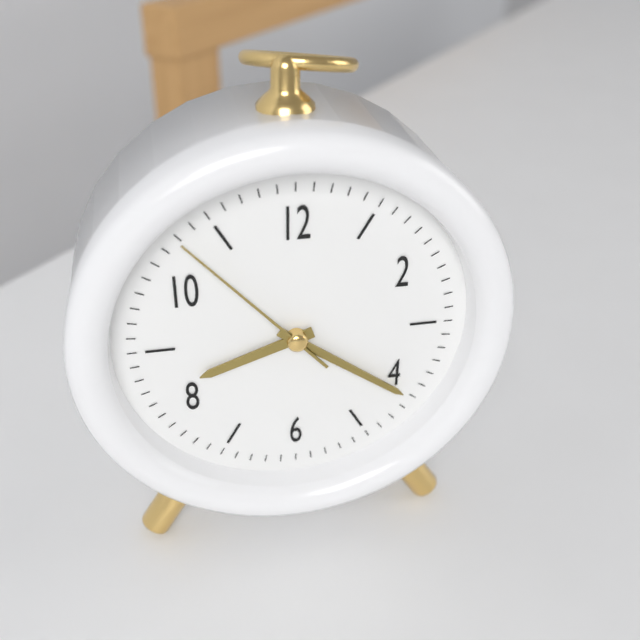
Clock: 8.21.53
